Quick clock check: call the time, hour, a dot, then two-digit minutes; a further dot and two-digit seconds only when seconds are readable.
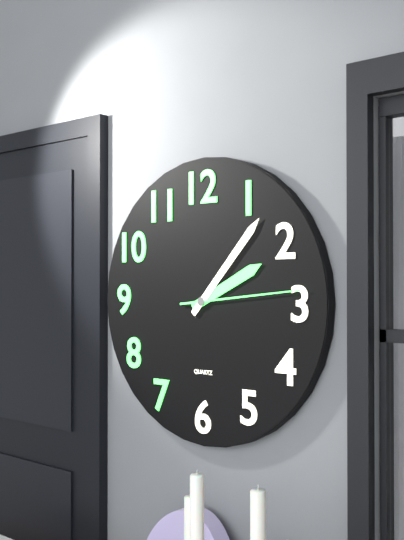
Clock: 2.07.14
